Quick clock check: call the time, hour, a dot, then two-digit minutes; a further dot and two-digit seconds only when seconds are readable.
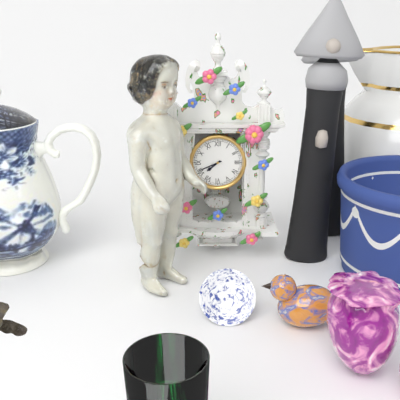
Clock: 7.41
